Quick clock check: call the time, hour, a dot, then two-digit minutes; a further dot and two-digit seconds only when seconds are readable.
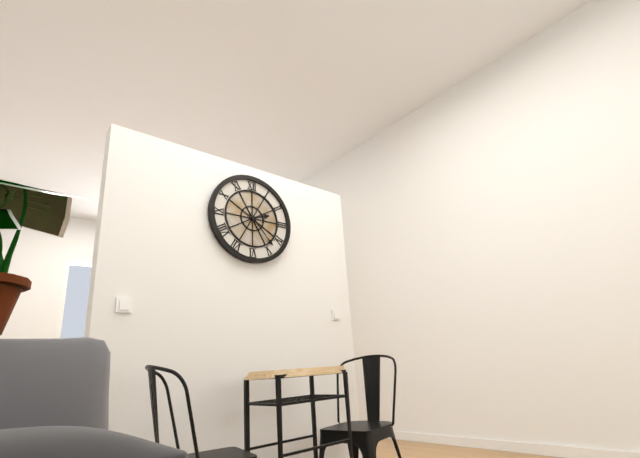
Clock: 2.23
